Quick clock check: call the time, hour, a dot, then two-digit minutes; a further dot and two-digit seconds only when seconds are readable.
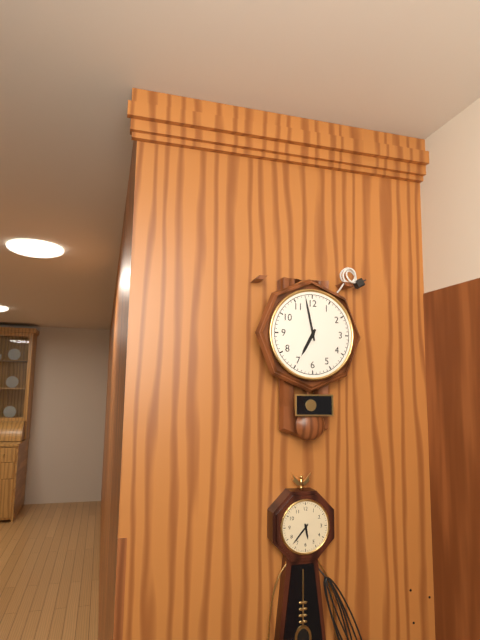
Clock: 6.58
